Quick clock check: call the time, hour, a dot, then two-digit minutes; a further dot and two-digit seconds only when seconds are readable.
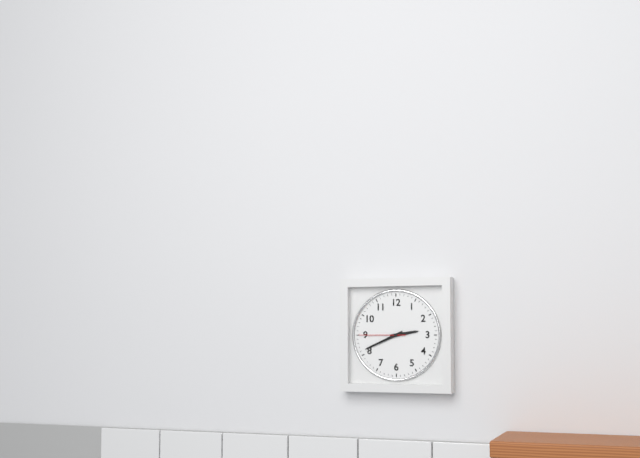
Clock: 2.41
